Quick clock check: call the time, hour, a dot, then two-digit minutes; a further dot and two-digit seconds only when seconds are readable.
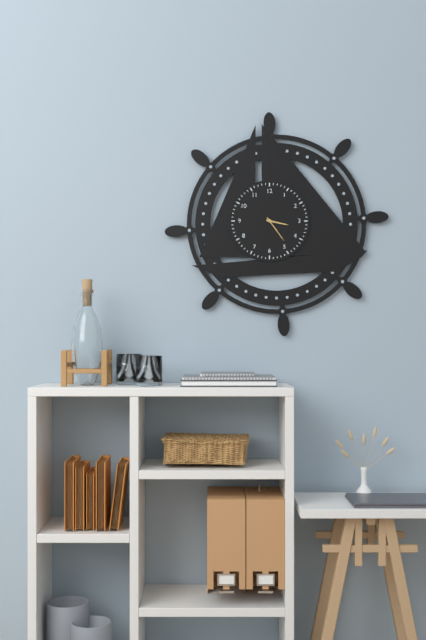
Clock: 3.24
